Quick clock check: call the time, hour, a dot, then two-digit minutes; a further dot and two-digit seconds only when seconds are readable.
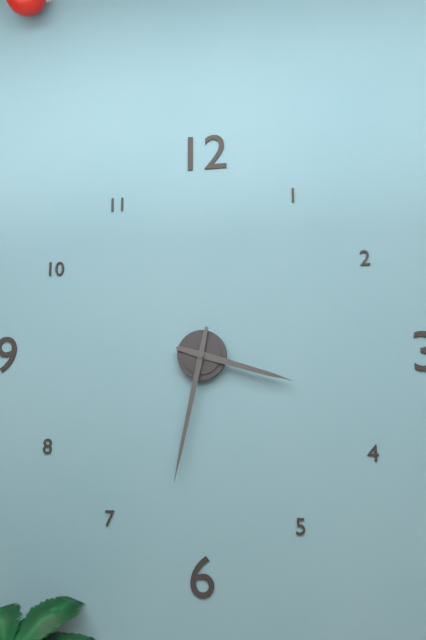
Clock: 3.32
